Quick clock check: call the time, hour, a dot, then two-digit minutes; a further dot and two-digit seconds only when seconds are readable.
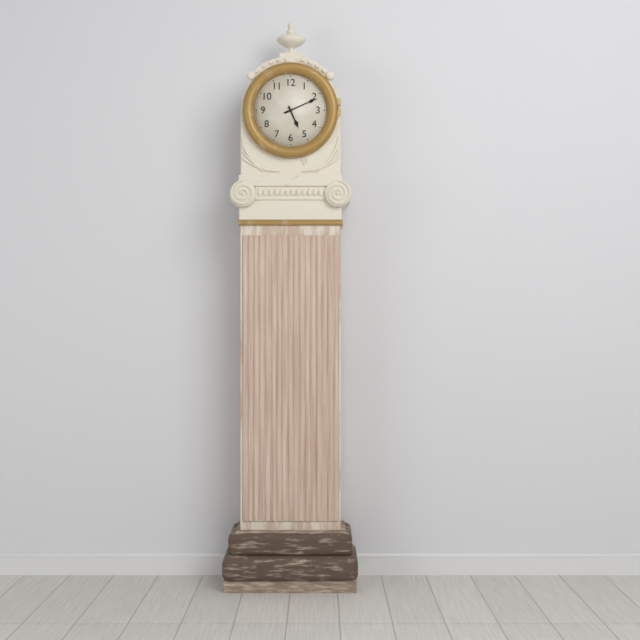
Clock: 5.11
